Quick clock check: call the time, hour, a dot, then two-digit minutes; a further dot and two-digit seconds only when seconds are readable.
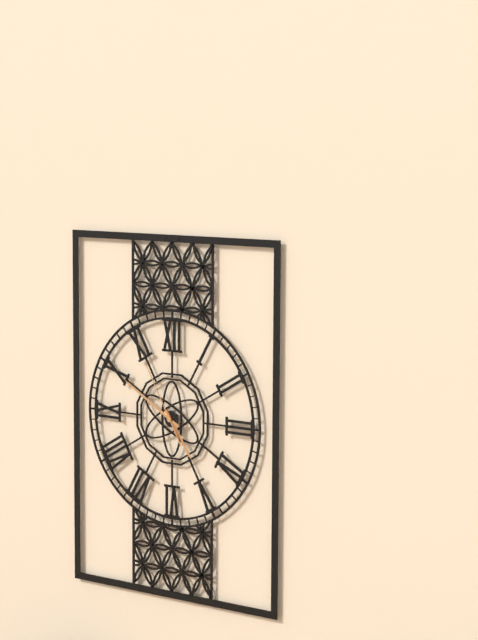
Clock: 4.50.55
